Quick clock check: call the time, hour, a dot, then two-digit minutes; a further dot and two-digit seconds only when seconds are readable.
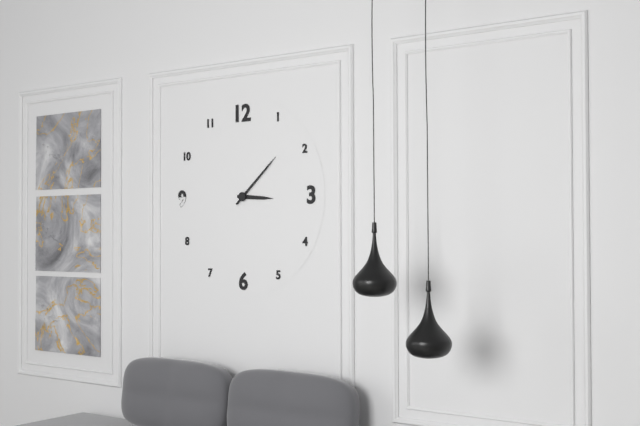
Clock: 3.08
